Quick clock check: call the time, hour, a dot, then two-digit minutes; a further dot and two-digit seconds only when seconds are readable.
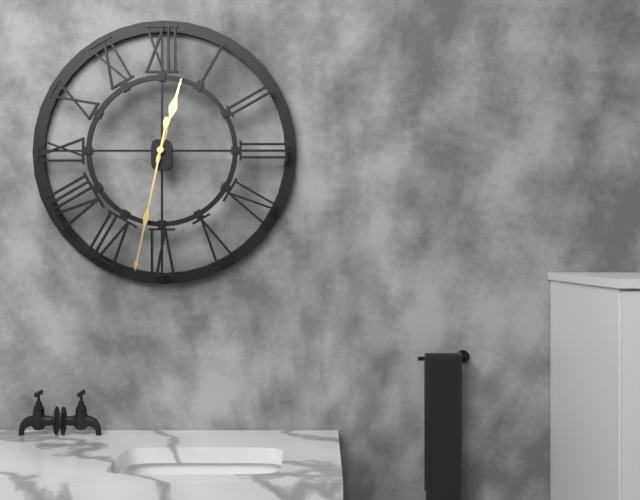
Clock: 12.32
